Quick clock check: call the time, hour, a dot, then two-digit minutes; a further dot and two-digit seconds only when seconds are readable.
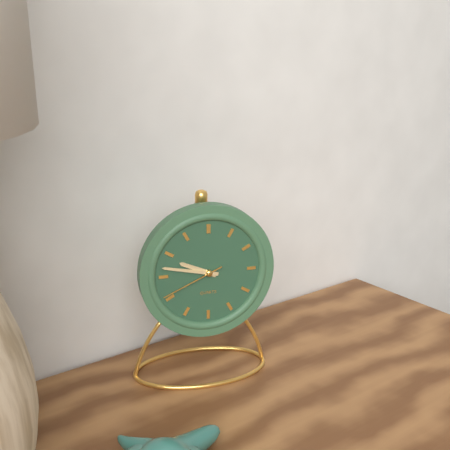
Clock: 9.47.41
